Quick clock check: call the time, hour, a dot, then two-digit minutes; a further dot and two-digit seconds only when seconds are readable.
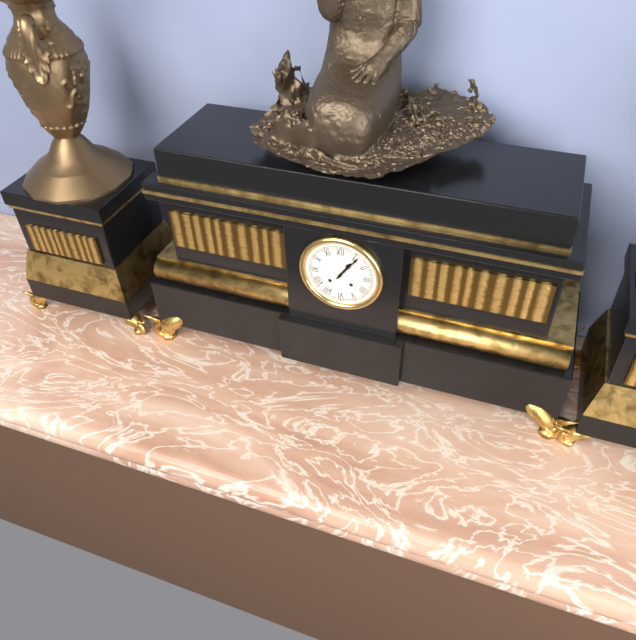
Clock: 1.06
